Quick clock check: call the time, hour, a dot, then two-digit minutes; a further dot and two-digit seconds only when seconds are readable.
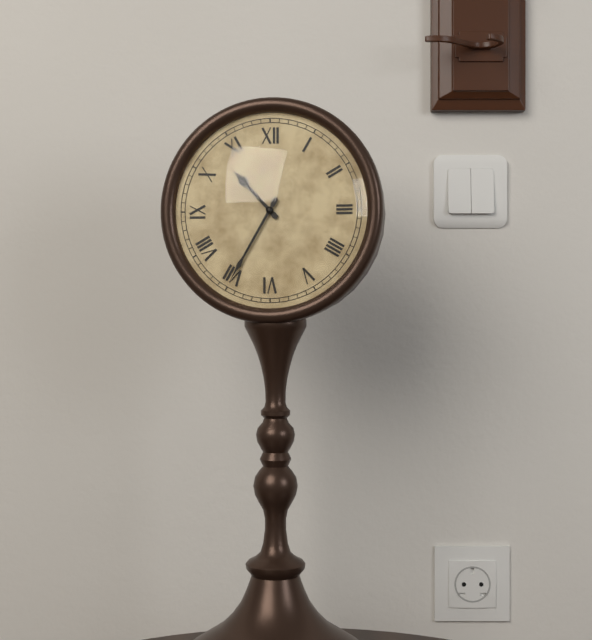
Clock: 10.35
